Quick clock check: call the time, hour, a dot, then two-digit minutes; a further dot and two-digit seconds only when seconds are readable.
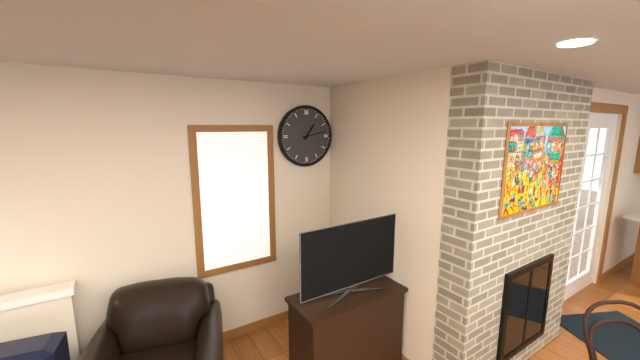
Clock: 1.13
